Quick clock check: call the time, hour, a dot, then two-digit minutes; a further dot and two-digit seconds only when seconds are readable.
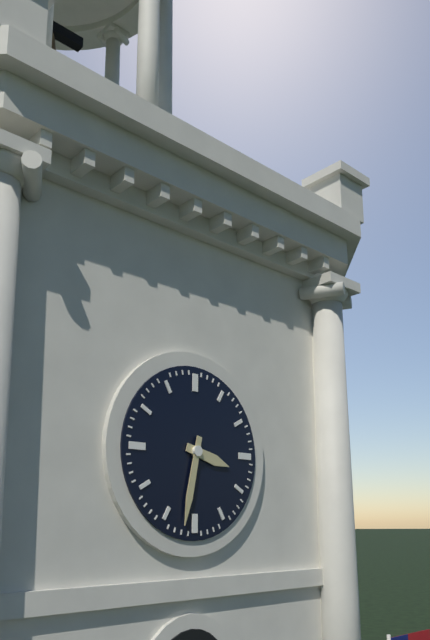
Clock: 3.32
